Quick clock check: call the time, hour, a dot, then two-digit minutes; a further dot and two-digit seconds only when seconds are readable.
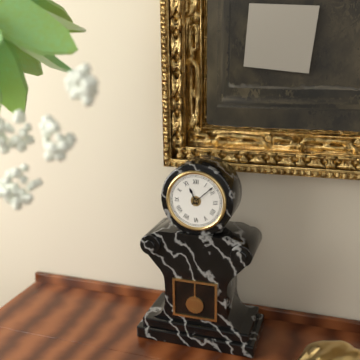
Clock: 11.08
